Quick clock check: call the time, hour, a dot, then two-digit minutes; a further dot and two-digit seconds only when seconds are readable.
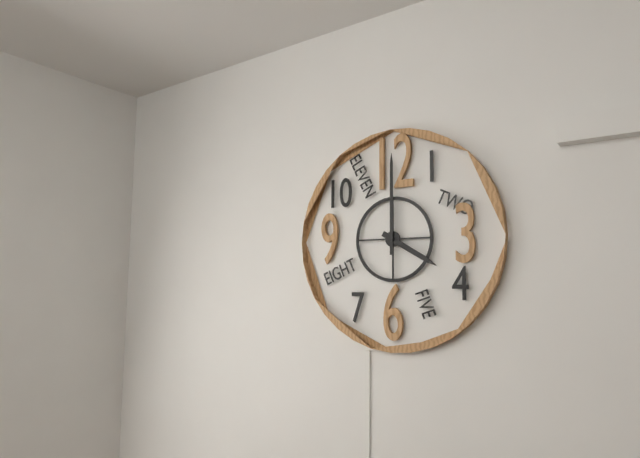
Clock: 4.00
